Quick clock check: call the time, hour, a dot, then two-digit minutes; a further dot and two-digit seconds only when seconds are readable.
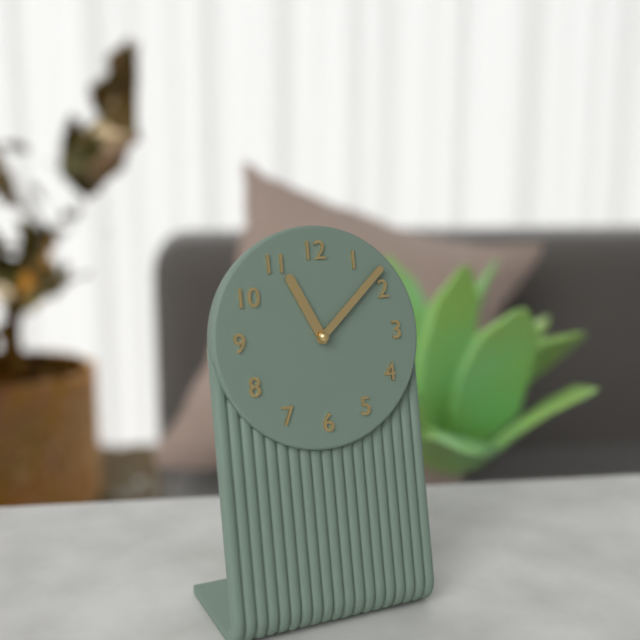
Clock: 11.08
